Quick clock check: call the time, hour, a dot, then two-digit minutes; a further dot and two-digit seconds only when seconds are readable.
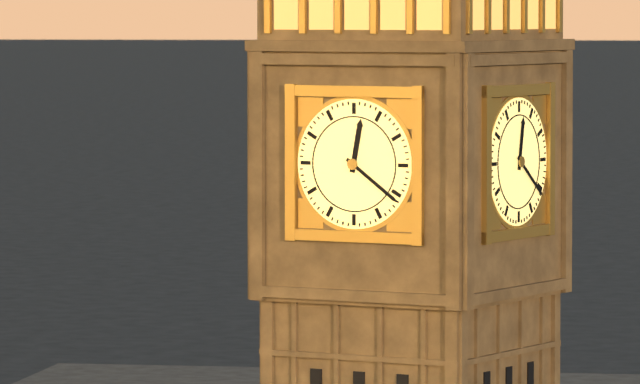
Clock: 12.21
